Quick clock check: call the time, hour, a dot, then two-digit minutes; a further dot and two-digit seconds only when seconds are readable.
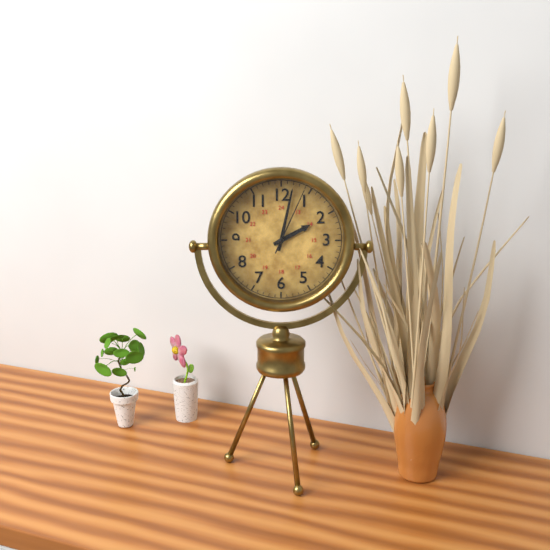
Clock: 2.02.04
